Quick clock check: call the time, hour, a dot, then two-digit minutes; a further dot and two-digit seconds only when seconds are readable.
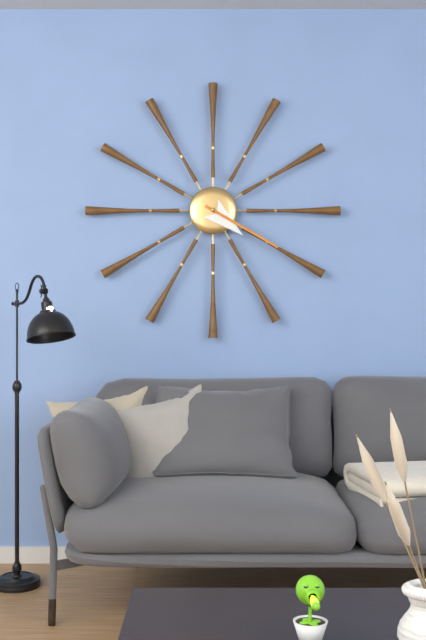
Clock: 4.20
